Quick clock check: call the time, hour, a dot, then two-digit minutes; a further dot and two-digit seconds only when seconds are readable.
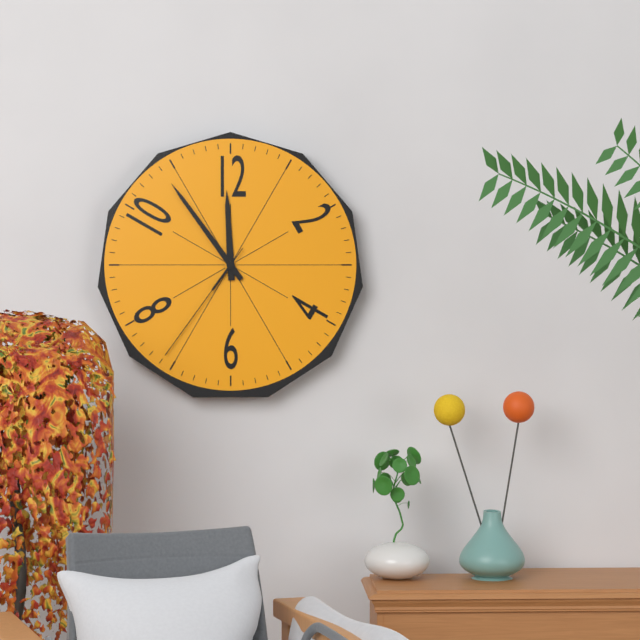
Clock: 11.54.36
